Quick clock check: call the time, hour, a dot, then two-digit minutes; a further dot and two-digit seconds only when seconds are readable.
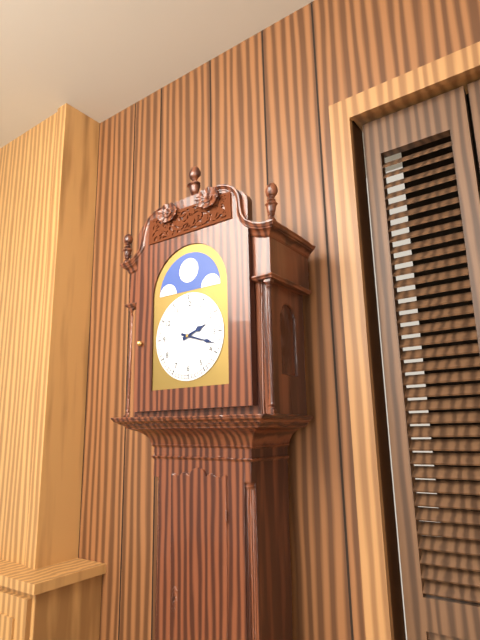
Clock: 2.18
